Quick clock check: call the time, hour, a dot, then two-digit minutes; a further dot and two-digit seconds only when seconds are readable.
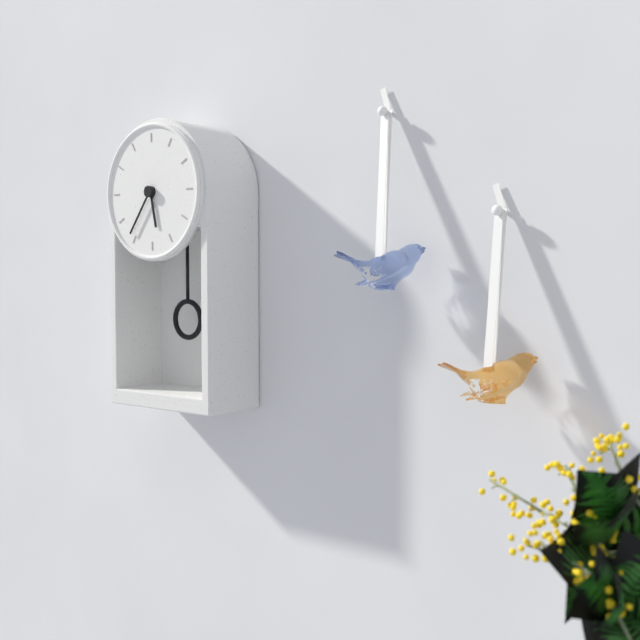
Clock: 5.36
